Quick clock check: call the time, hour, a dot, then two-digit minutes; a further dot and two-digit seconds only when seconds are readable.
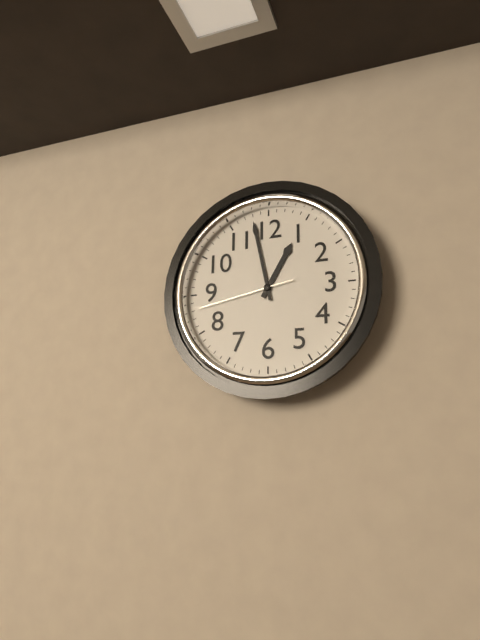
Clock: 12.58.43
